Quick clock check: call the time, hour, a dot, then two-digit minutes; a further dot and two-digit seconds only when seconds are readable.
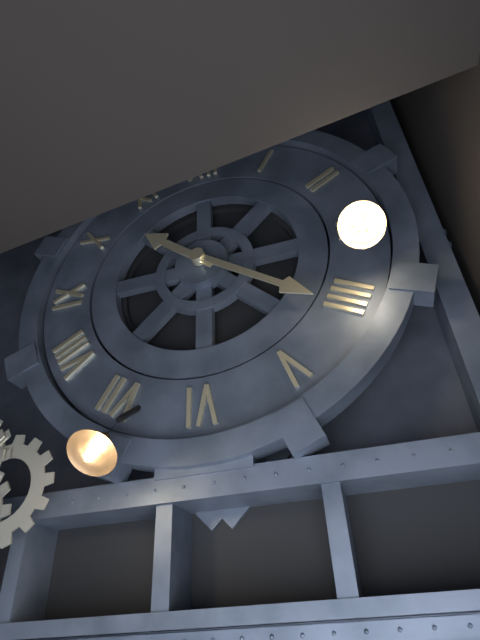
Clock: 10.21
